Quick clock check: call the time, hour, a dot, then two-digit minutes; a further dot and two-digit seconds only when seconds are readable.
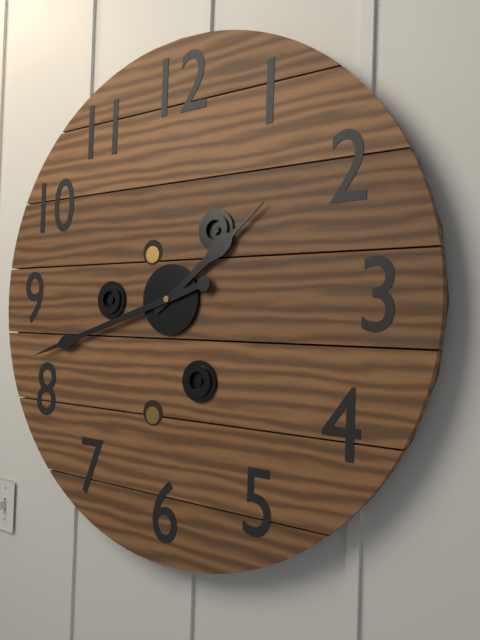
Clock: 1.42
